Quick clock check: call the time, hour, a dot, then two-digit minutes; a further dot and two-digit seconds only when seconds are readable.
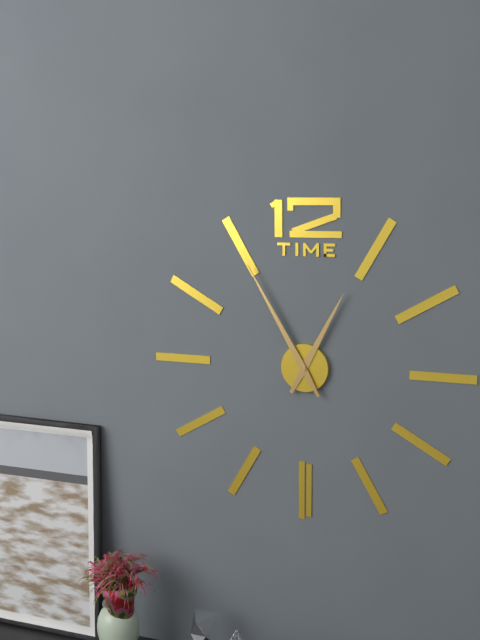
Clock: 12.55
